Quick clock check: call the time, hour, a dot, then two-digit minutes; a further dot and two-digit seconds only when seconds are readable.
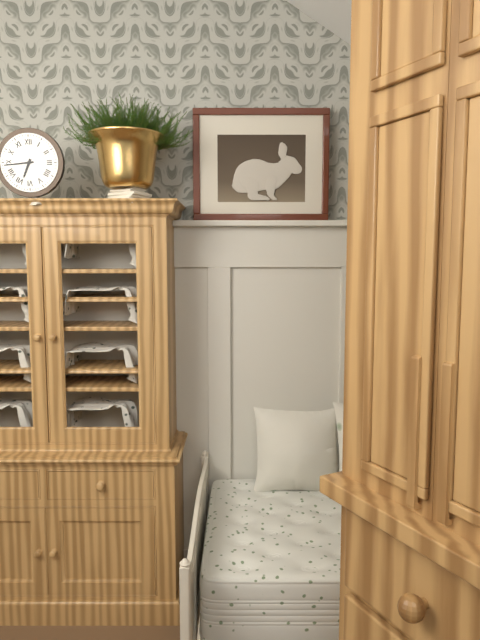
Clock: 6.44
